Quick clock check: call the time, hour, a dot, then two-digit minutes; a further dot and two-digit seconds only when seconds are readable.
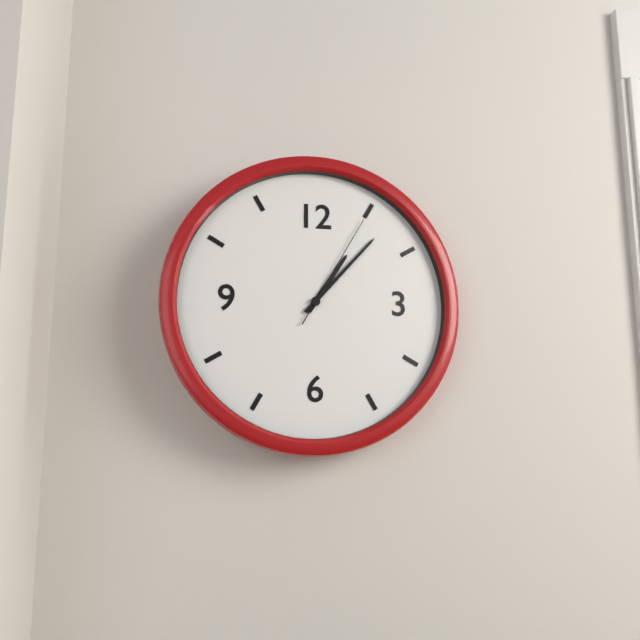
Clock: 1.07.05
